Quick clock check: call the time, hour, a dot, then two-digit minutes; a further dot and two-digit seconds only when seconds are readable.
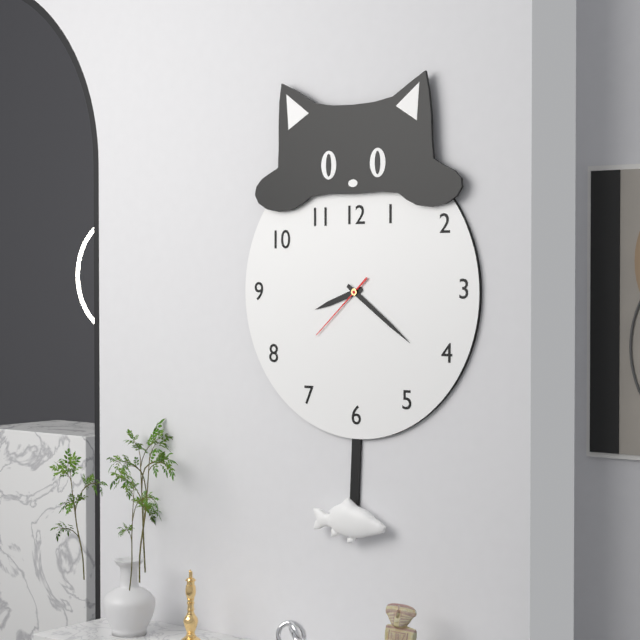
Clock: 8.21.38
